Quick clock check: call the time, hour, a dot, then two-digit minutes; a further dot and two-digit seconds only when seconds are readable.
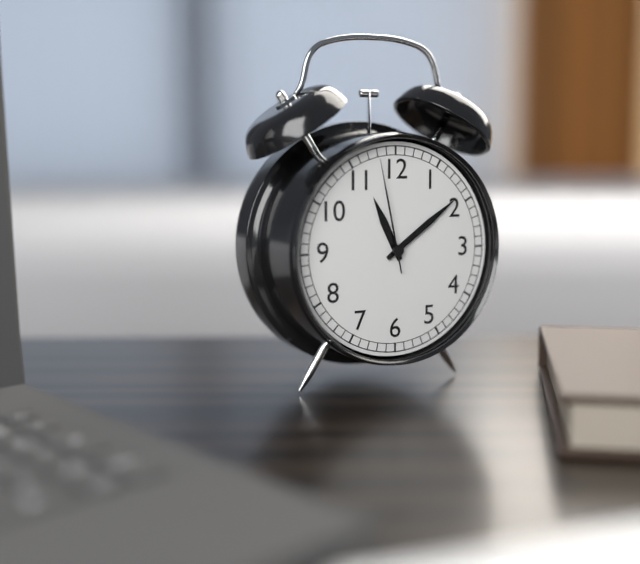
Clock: 11.09.58
